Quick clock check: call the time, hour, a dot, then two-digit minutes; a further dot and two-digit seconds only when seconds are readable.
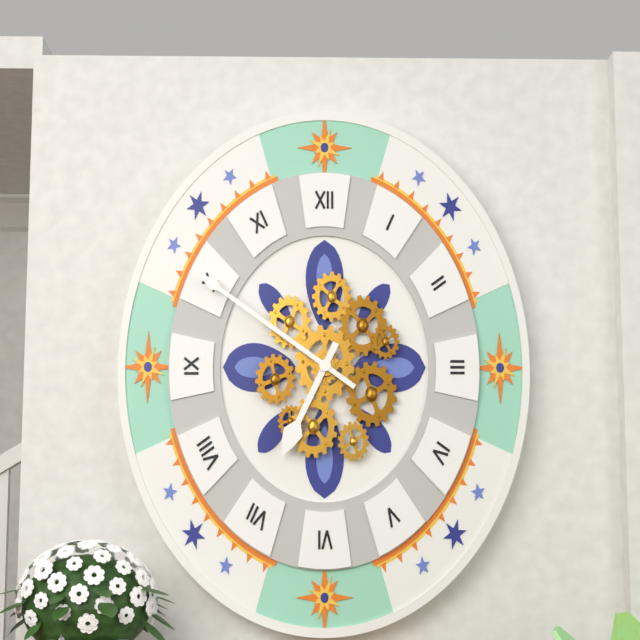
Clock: 6.51
